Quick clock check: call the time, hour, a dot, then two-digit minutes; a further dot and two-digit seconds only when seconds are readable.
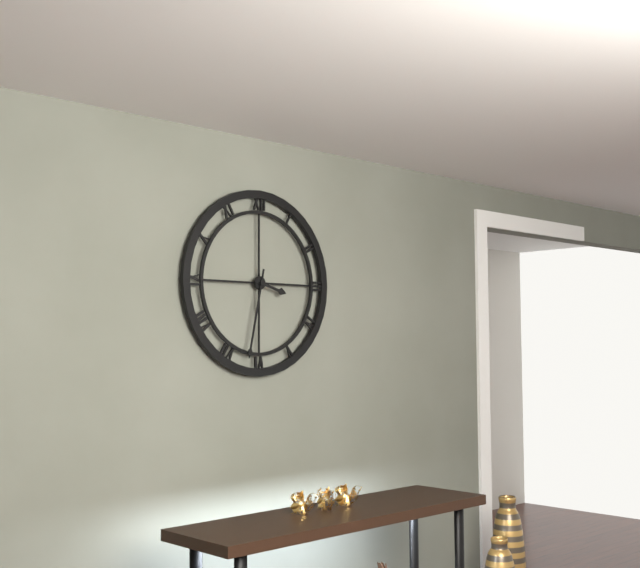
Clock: 3.32
